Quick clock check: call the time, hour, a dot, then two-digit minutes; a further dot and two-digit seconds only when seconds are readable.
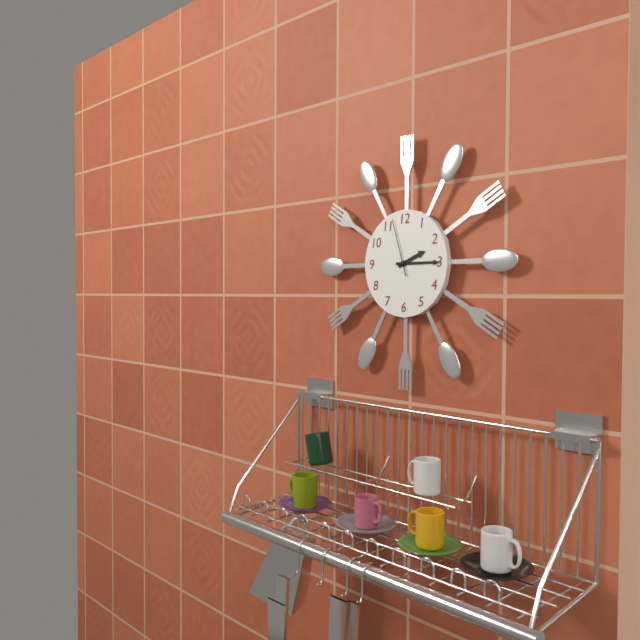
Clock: 2.15.57
